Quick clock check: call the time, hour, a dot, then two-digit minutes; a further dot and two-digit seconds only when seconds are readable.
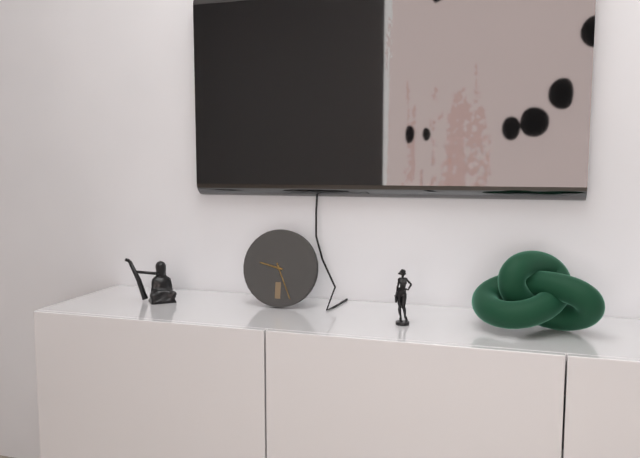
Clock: 9.26
